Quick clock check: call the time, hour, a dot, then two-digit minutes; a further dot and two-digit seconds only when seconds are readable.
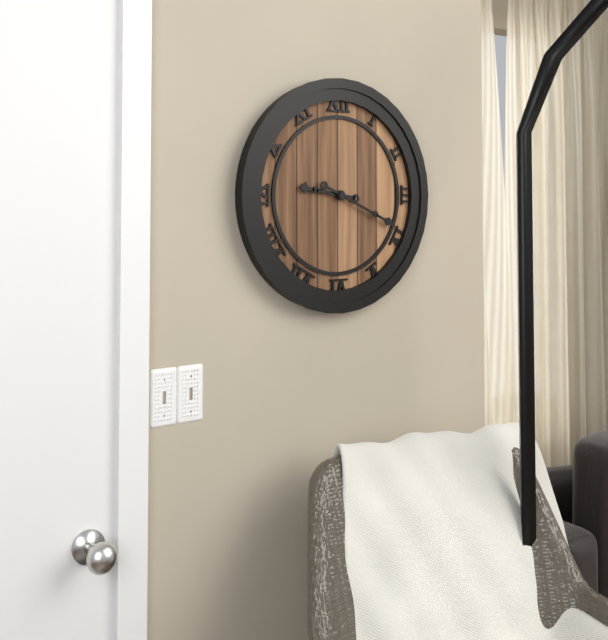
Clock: 9.19
